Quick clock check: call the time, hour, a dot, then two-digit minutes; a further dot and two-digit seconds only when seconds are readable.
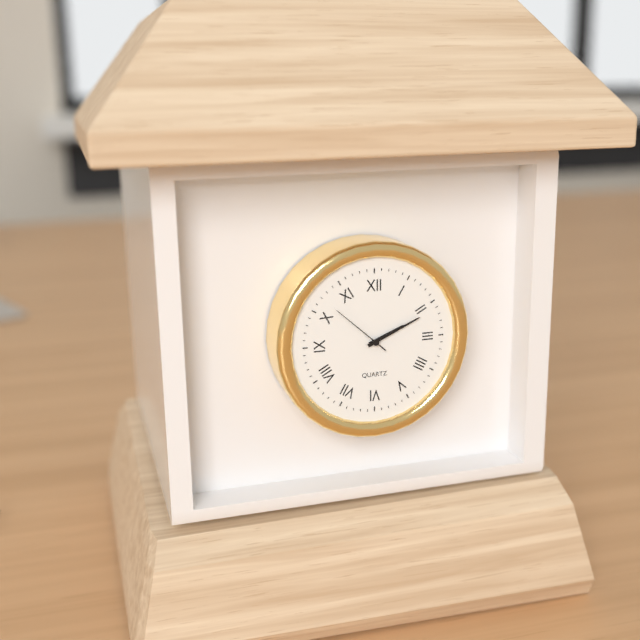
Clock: 2.11.52
